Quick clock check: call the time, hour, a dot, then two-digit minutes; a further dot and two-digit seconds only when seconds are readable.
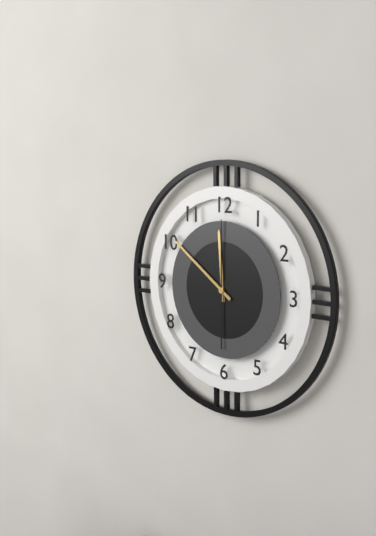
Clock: 11.51.00
